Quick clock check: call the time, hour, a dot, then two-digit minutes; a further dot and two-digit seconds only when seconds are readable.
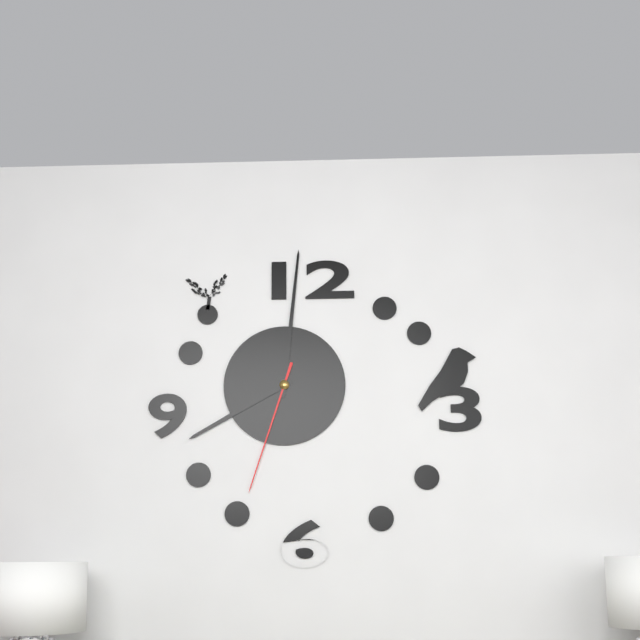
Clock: 8.01.33
